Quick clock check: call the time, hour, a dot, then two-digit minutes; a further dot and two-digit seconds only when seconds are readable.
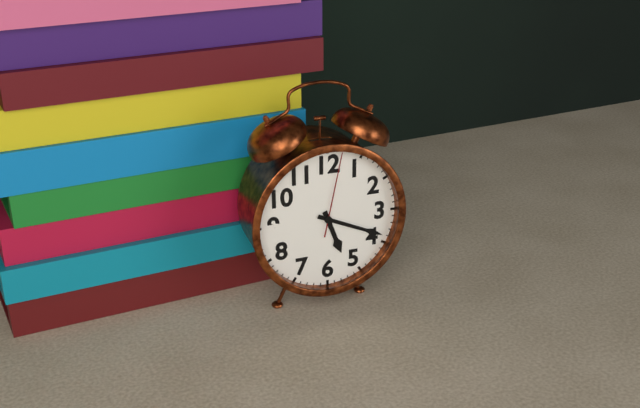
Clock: 5.19.02
